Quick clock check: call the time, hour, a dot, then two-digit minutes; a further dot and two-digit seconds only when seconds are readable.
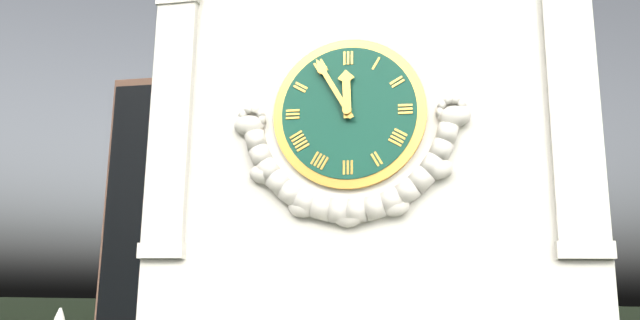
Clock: 11.55
